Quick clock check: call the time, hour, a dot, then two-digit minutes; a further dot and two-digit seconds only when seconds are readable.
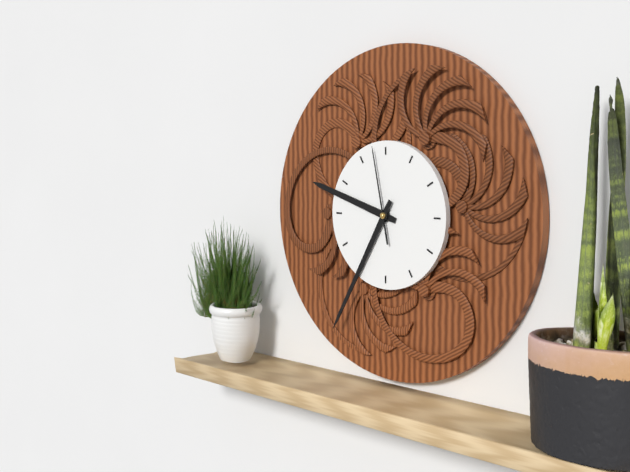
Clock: 9.35.58
